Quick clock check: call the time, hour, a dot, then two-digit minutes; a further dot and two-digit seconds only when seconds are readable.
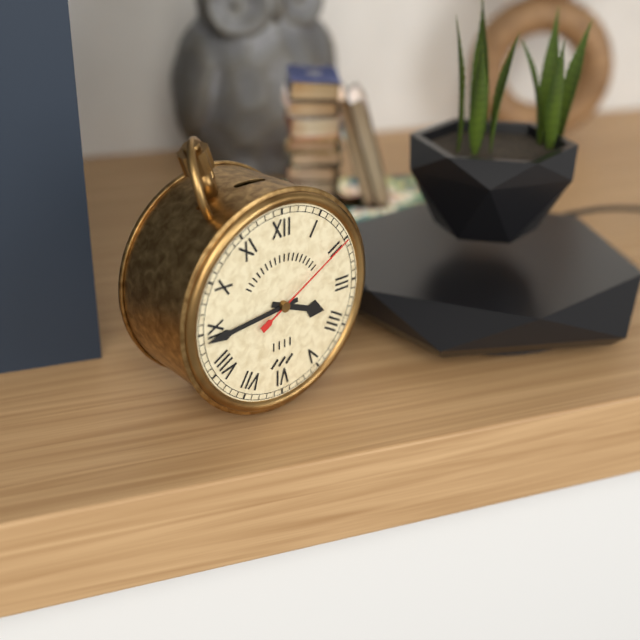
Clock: 3.44.10
